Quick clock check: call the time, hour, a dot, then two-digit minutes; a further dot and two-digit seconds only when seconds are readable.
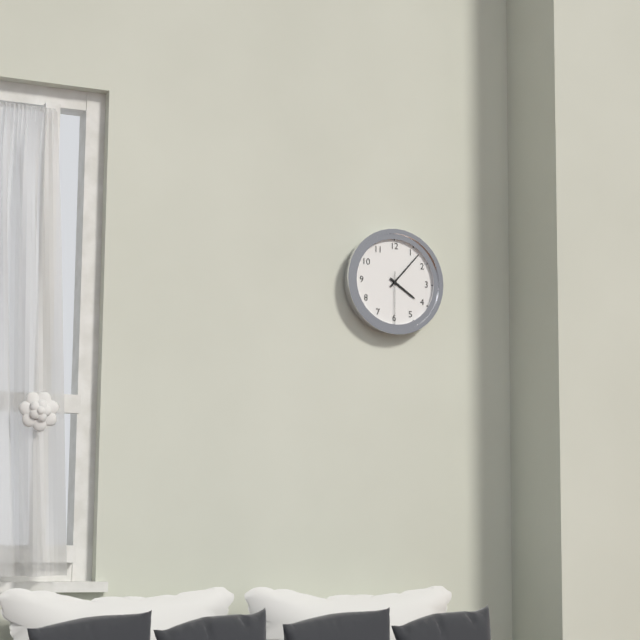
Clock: 4.07.30
